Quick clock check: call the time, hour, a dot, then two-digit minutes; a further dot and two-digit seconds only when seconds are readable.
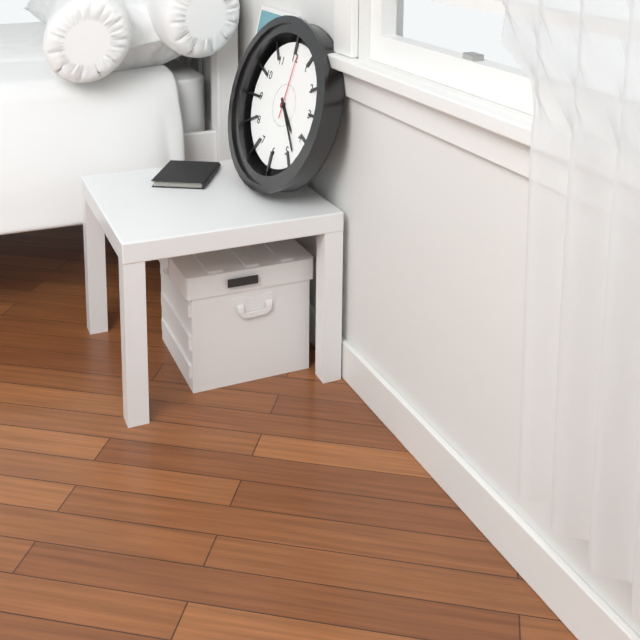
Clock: 4.23.01
